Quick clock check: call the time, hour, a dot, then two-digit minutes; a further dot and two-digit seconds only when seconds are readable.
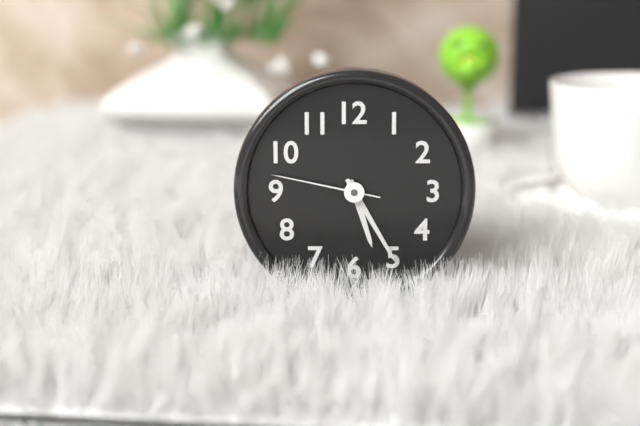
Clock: 5.25.47
